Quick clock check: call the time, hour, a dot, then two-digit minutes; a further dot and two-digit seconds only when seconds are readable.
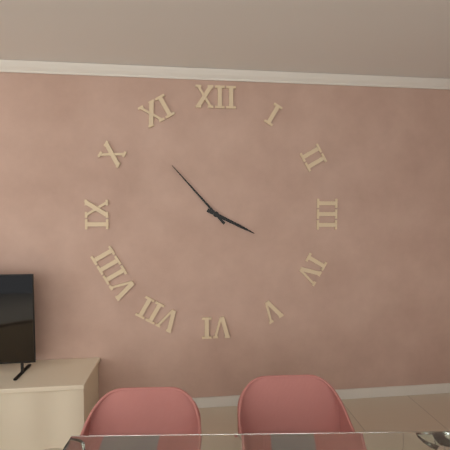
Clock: 3.53
